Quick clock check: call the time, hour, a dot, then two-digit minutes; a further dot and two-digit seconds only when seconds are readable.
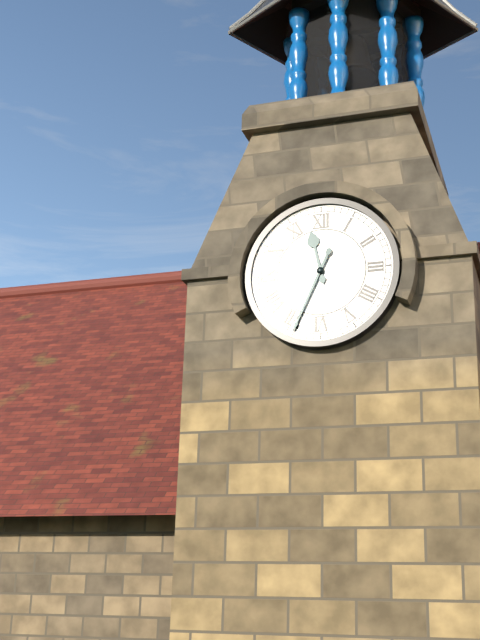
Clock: 11.34
